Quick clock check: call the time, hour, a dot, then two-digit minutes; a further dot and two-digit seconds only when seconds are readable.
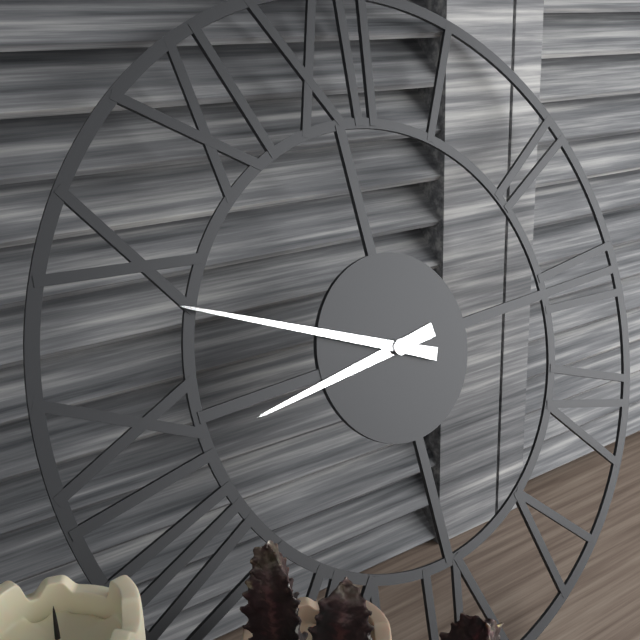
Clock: 8.49
